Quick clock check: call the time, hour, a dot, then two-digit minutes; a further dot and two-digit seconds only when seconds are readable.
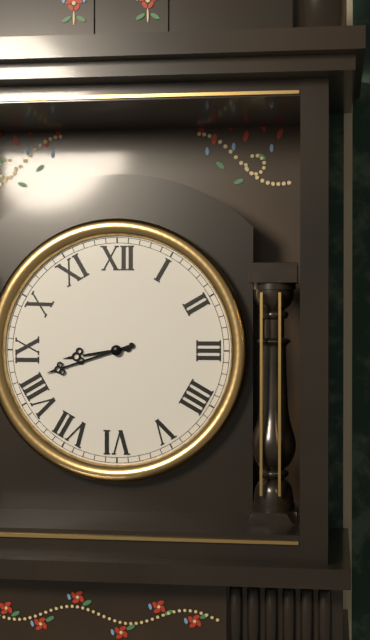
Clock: 8.42
